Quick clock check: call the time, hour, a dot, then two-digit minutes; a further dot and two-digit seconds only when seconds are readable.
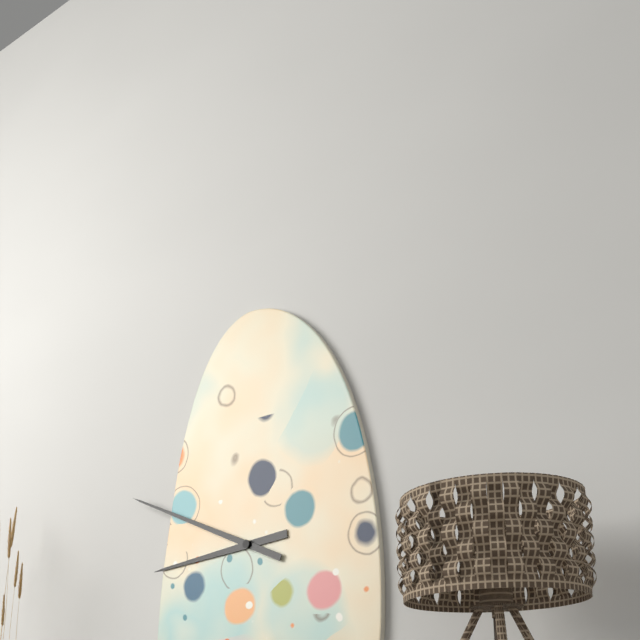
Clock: 8.49
